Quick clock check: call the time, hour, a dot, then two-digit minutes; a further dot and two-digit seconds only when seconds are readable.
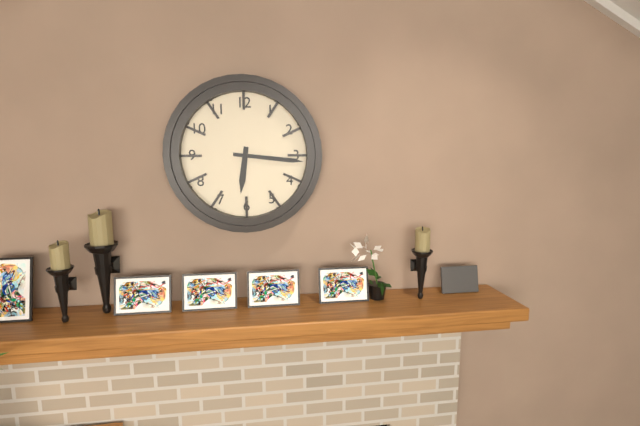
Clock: 6.16
